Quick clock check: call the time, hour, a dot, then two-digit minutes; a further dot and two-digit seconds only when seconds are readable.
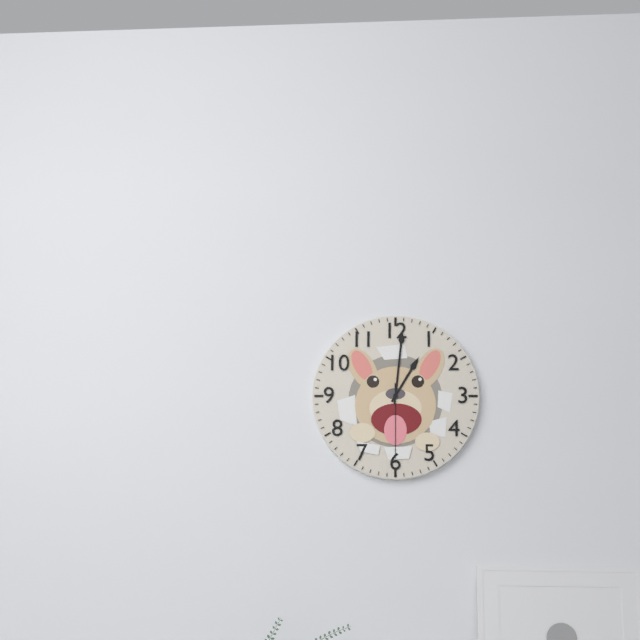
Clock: 1.01.30
